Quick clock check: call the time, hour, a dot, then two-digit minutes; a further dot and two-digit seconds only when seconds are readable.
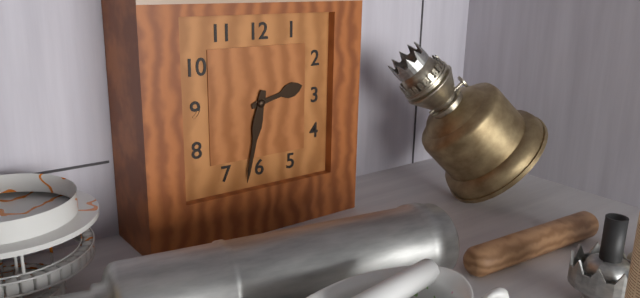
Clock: 2.32
